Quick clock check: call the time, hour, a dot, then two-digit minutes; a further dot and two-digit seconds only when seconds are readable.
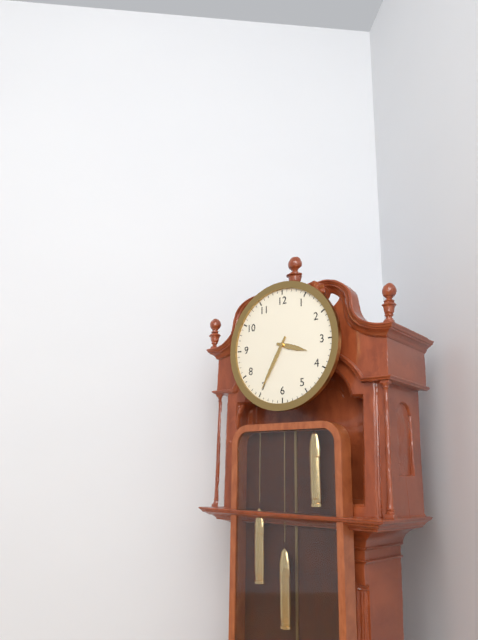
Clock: 3.35
